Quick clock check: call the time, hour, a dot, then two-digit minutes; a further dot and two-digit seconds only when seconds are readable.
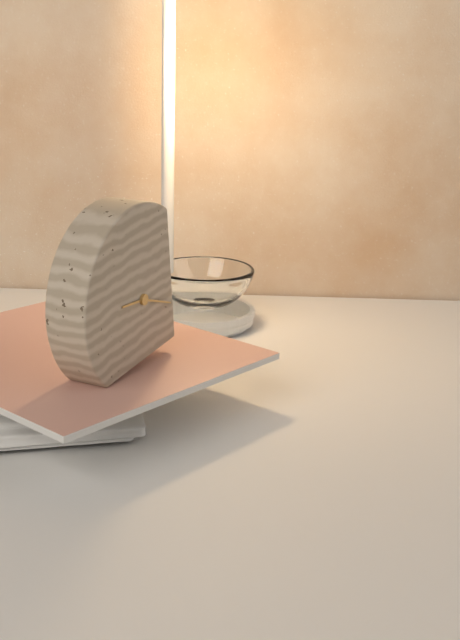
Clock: 9.19
